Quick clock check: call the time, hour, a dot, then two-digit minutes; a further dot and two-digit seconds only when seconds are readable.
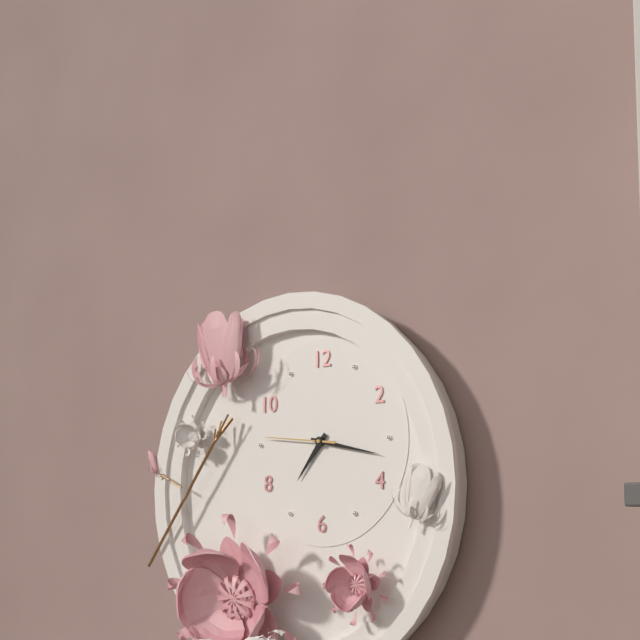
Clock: 7.17.46
